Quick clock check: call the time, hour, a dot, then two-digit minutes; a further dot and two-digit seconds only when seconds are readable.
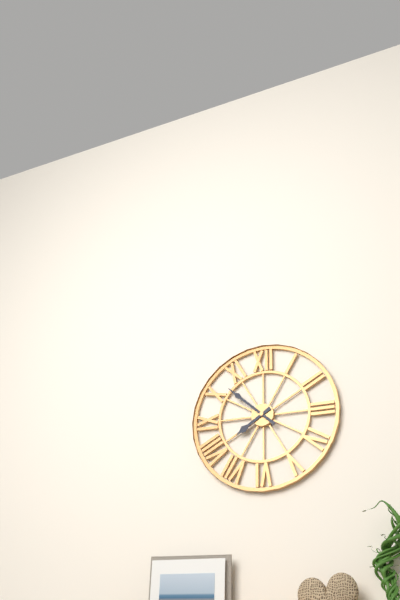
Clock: 7.52
